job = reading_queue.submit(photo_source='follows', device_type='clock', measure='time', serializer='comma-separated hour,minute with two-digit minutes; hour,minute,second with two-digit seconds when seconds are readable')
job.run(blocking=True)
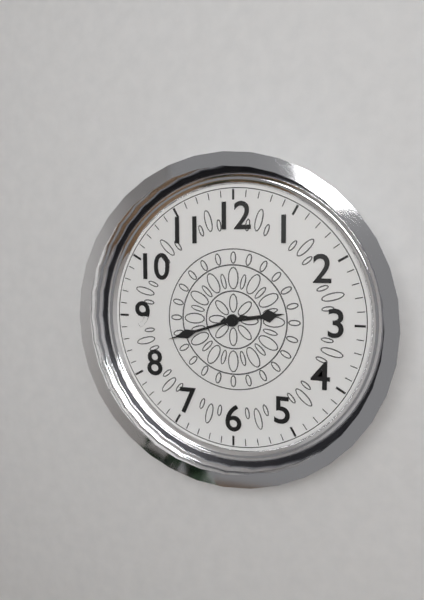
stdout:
2,42
